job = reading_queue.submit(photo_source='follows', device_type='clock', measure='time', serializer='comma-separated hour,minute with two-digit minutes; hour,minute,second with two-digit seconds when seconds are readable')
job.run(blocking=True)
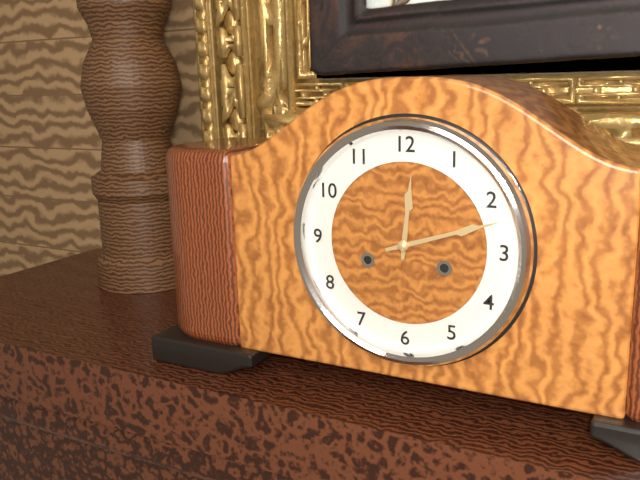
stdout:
12,12
